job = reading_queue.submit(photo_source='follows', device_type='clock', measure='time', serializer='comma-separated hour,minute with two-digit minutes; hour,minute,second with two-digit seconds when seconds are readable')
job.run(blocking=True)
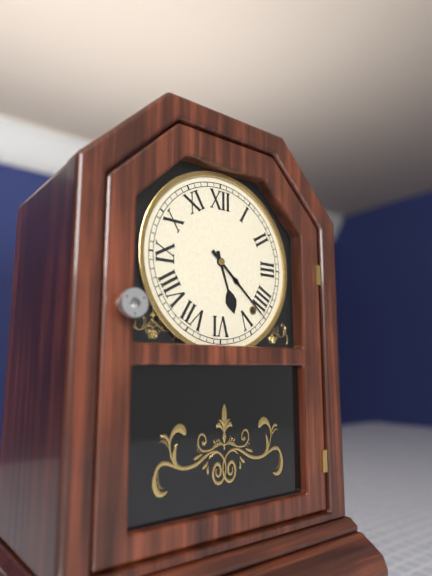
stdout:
5,22
